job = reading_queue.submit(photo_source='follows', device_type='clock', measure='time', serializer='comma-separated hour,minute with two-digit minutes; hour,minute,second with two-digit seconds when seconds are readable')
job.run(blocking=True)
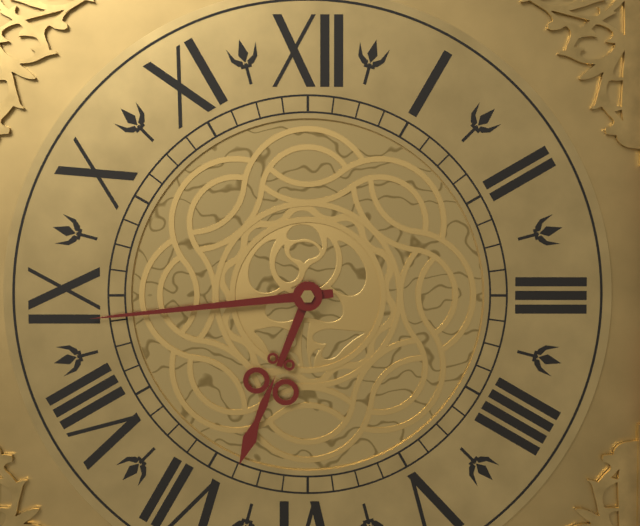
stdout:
6,44
